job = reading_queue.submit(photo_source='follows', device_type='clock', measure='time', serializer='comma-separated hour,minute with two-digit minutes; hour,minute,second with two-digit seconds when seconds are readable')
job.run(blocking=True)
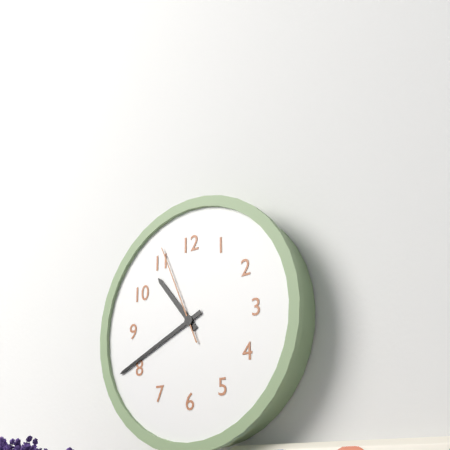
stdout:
10,41,56
